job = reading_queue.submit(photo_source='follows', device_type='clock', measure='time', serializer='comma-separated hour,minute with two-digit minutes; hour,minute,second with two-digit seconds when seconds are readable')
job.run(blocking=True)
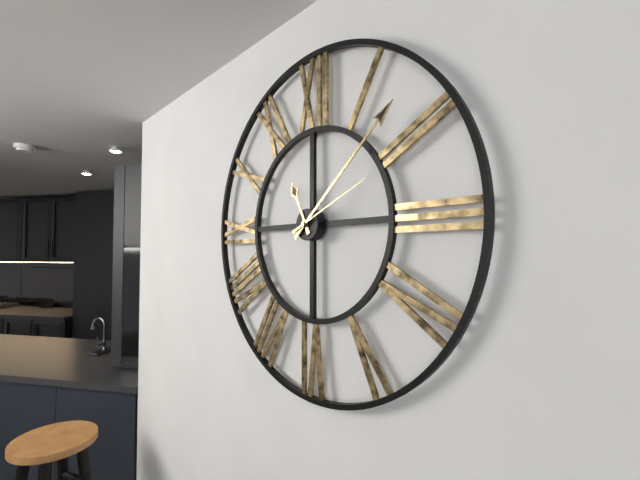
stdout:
11,08,11
